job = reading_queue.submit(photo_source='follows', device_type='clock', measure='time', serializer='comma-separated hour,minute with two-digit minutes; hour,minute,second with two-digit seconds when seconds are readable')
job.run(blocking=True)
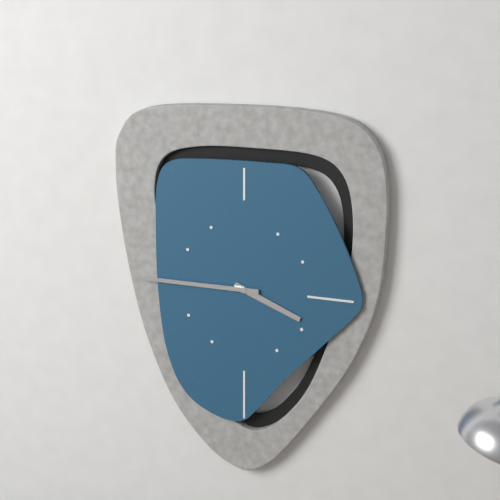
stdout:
3,45
